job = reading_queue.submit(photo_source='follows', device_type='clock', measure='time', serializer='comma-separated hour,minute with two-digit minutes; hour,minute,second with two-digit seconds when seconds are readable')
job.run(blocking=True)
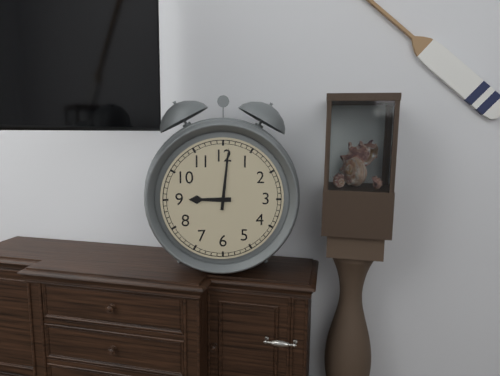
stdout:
9,01
